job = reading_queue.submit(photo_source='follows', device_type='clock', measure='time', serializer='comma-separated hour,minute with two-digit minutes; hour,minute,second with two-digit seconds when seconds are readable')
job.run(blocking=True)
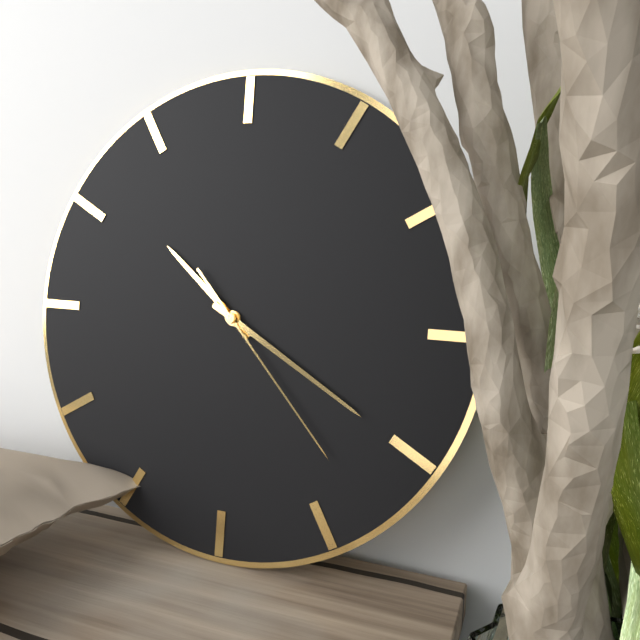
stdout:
10,20,23
